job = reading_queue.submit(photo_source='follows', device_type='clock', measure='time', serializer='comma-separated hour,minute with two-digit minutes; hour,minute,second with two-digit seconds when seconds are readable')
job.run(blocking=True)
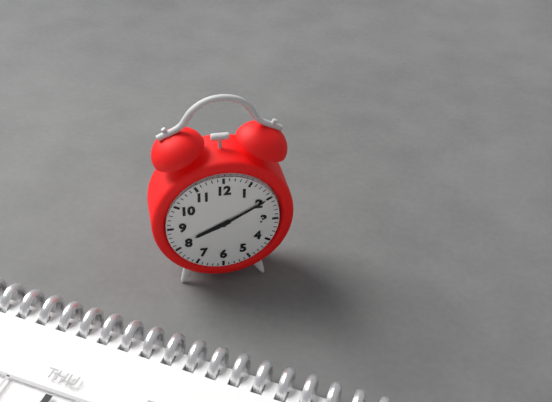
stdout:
8,10
